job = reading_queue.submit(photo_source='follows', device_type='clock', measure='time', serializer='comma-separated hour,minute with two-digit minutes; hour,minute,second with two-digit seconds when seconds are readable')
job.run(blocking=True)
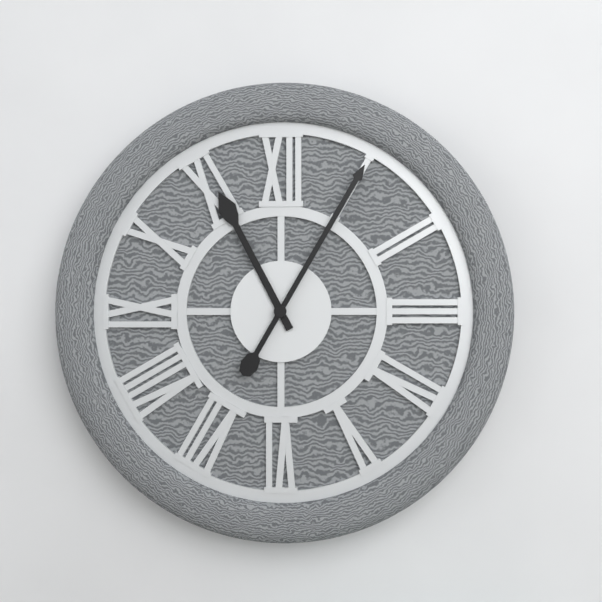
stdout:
11,05
